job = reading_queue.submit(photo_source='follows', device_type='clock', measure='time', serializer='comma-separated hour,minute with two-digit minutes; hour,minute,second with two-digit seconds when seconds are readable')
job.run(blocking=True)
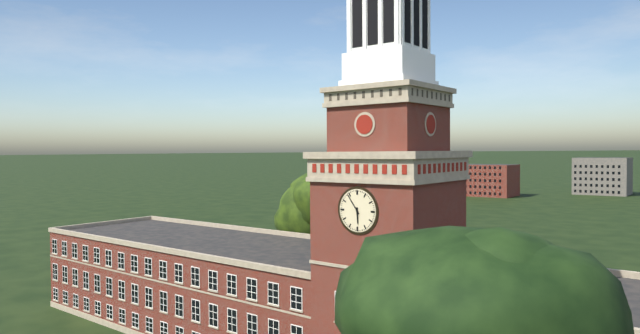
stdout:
5,54
